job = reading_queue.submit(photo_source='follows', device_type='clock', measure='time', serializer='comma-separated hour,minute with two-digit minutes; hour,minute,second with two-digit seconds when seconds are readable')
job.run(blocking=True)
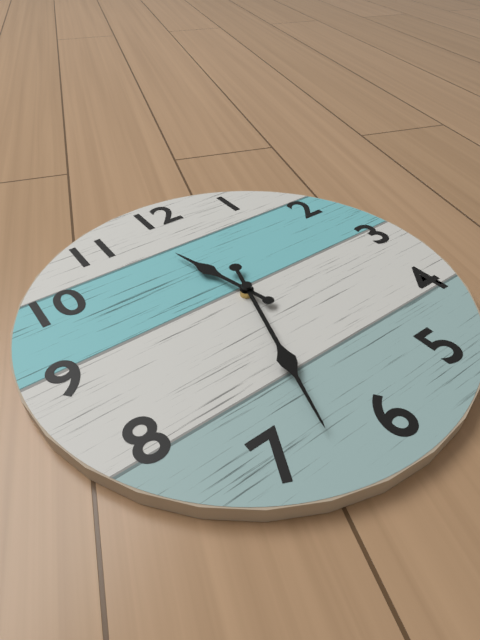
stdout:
11,33
